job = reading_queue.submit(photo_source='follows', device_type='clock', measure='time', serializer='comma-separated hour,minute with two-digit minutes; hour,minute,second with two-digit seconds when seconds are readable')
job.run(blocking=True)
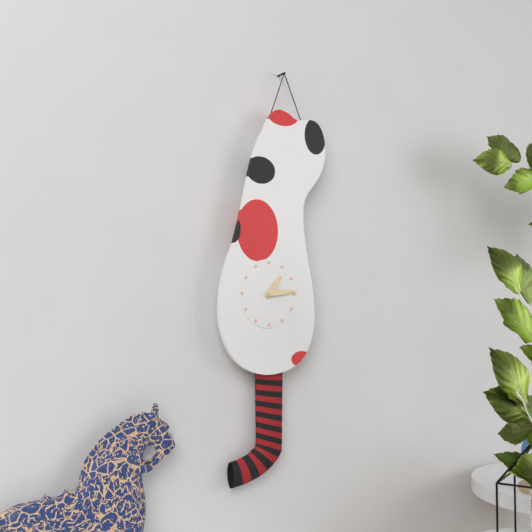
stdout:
1,14
